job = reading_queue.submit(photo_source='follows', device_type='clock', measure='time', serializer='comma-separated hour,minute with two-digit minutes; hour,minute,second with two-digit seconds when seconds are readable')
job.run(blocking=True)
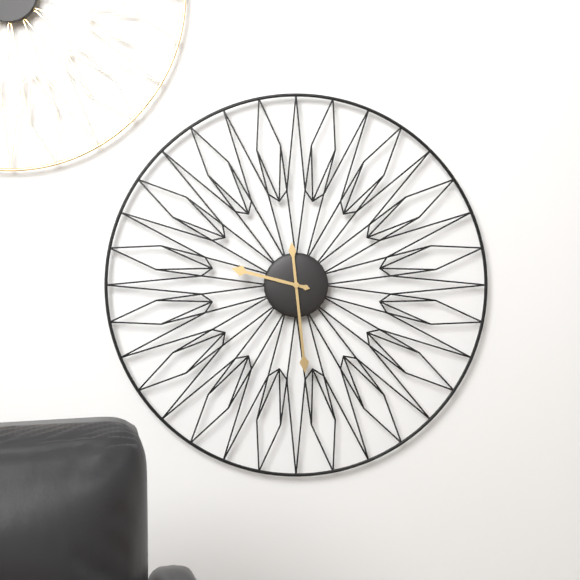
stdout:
9,29
